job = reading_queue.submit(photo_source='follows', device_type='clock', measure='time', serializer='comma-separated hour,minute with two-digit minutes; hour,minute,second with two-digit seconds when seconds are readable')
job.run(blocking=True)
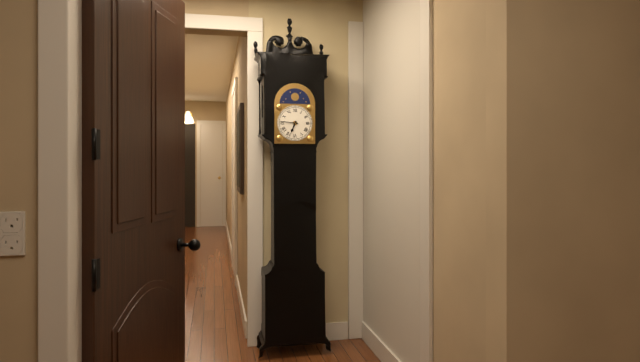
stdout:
6,46
